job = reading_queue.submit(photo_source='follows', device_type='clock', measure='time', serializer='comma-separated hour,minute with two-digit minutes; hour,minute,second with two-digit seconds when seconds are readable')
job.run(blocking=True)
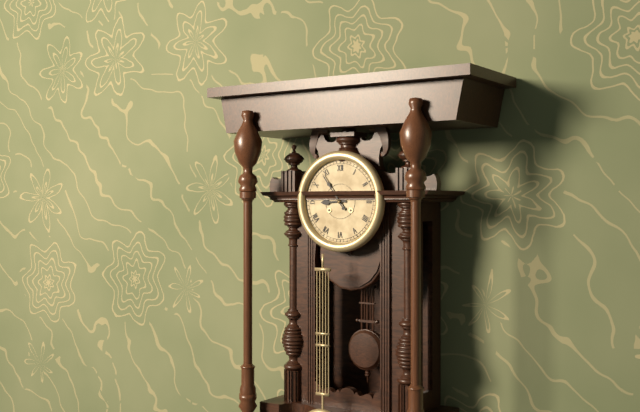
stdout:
8,54
